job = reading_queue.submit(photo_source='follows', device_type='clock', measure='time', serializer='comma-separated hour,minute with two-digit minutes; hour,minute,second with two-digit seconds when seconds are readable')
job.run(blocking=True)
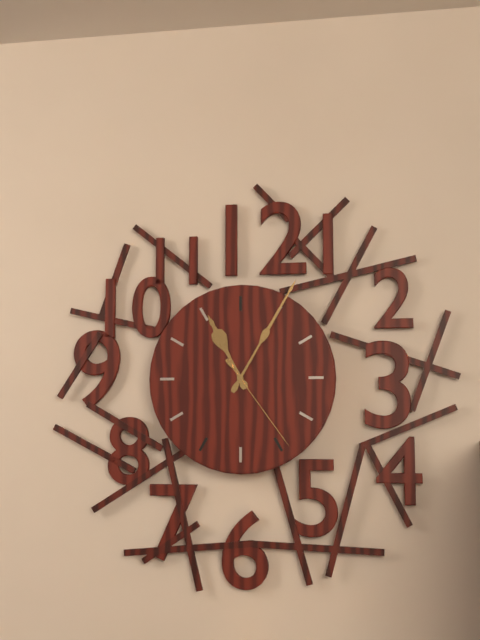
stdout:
11,05,24
